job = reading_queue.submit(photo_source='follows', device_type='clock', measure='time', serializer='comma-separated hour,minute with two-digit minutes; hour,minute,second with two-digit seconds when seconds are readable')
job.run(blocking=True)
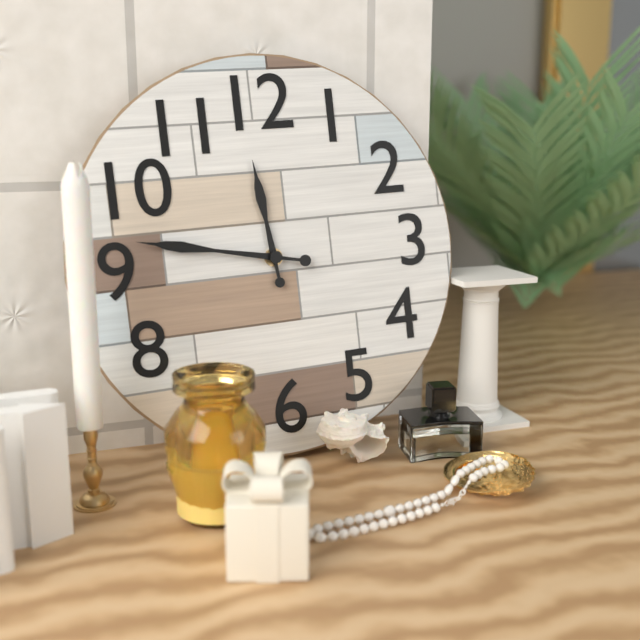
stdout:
11,47
